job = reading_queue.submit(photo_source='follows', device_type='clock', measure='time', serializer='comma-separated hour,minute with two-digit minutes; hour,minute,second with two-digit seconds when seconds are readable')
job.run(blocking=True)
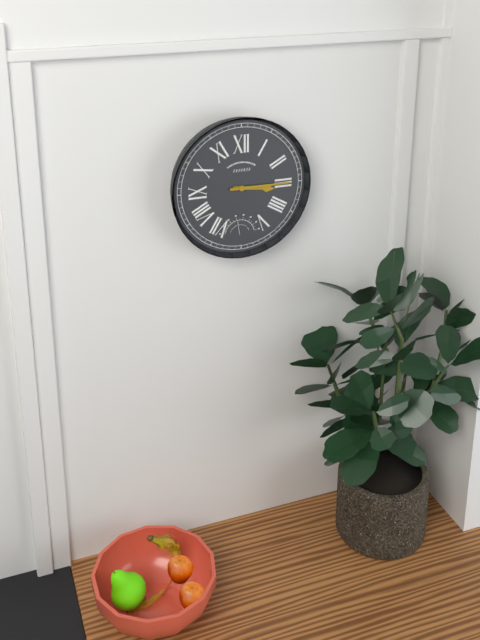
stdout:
3,15
